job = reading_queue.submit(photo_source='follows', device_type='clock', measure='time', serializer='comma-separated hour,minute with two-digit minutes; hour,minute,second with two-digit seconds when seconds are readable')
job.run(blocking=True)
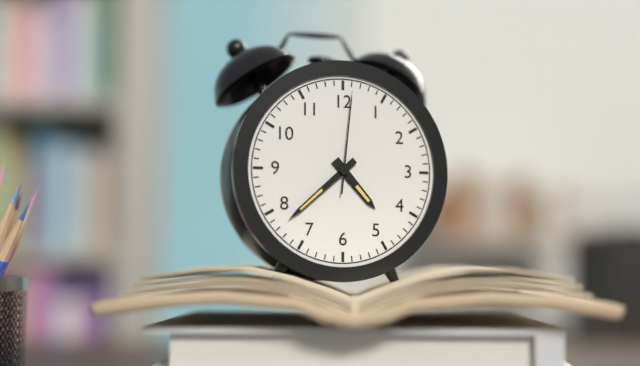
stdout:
4,38,01
